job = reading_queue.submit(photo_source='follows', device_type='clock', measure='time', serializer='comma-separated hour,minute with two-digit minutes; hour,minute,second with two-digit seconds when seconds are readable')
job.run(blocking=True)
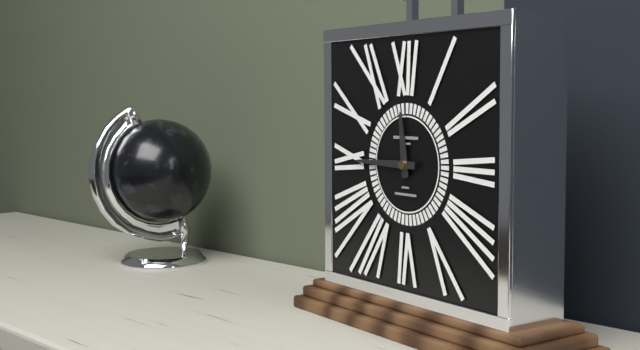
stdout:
11,45
